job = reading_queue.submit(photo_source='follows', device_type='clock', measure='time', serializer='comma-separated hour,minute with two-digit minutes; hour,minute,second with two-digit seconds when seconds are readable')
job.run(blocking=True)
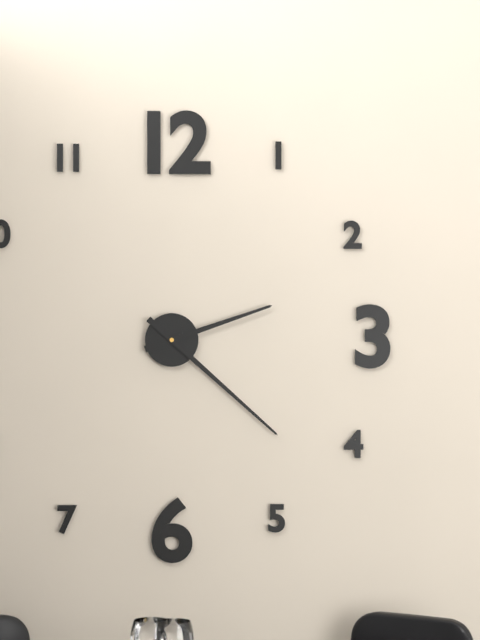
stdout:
2,22
